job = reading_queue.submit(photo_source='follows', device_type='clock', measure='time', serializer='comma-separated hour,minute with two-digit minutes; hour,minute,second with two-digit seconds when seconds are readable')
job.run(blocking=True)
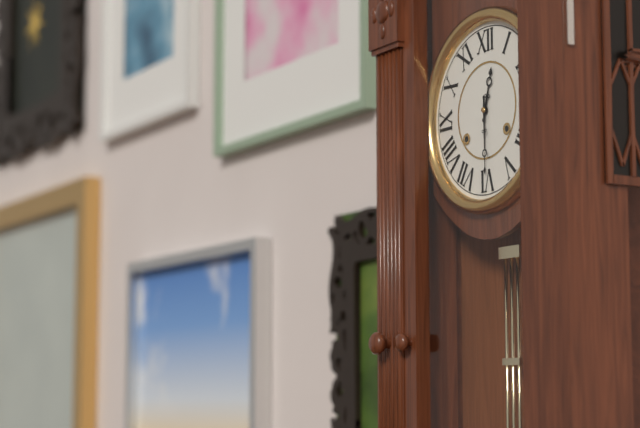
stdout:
12,30
